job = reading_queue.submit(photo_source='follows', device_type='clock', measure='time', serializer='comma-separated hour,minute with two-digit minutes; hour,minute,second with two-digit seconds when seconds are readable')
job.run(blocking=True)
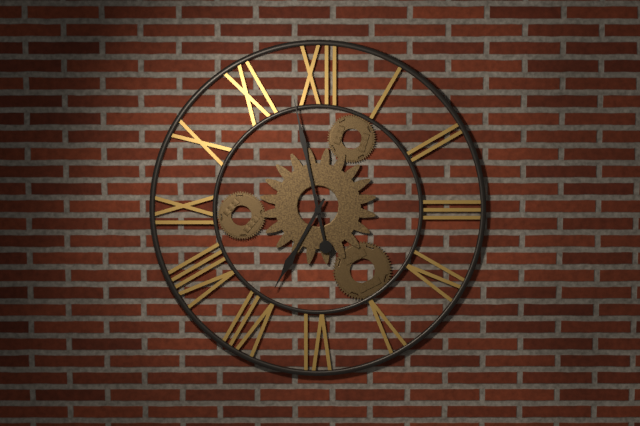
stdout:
6,58
